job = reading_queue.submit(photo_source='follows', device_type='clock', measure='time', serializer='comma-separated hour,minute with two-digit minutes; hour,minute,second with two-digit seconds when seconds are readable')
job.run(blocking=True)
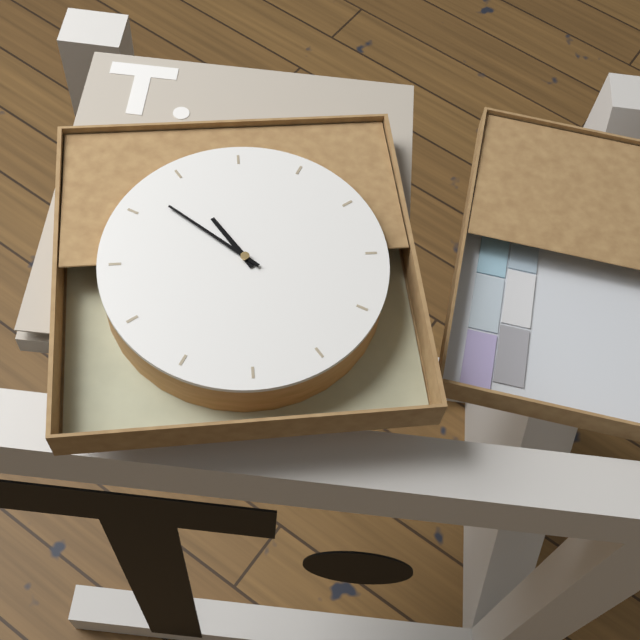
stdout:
11,57
